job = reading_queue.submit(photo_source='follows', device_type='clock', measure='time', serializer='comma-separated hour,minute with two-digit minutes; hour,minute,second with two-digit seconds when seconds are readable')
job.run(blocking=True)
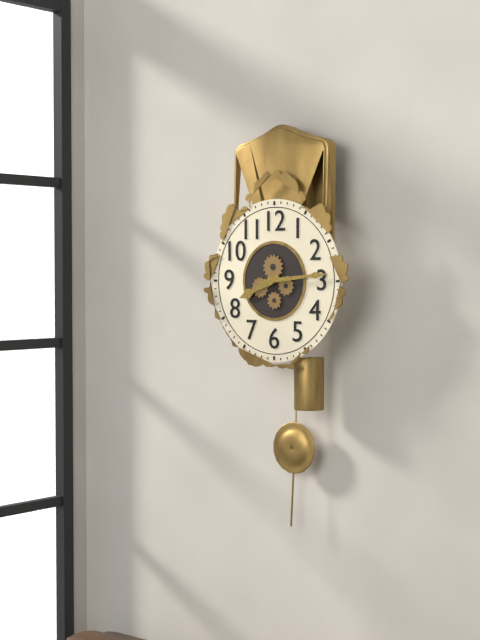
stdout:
8,14
